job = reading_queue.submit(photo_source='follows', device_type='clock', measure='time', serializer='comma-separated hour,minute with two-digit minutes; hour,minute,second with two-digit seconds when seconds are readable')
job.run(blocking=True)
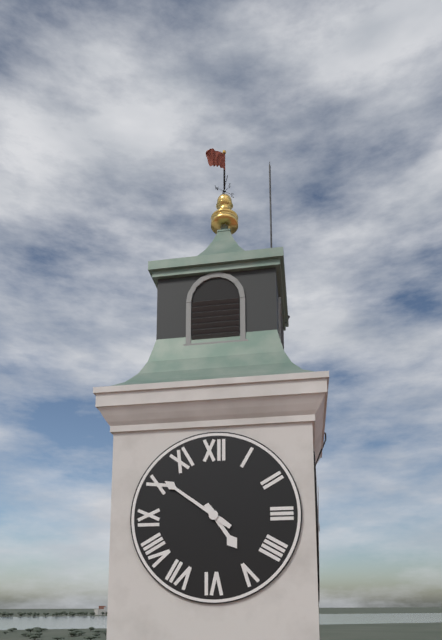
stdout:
4,51
